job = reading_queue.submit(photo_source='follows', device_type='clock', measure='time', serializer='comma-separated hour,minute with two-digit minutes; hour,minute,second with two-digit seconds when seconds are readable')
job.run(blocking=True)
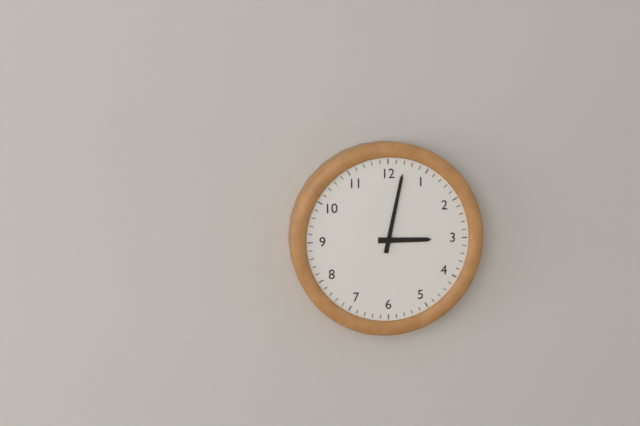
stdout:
3,02
